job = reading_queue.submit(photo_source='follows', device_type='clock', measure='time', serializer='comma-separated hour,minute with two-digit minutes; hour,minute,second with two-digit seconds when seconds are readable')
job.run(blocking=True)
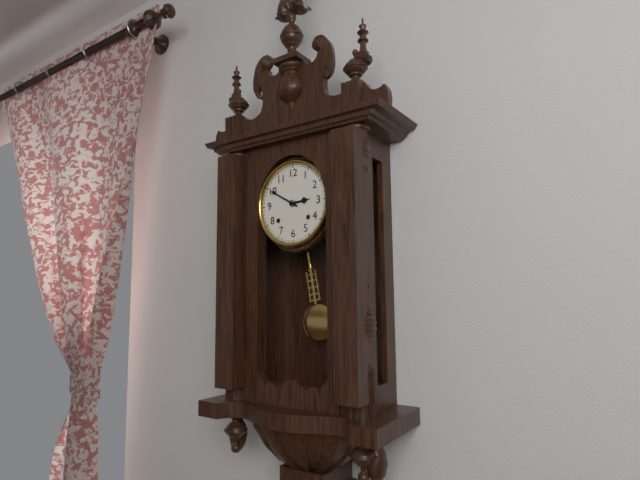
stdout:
2,50
